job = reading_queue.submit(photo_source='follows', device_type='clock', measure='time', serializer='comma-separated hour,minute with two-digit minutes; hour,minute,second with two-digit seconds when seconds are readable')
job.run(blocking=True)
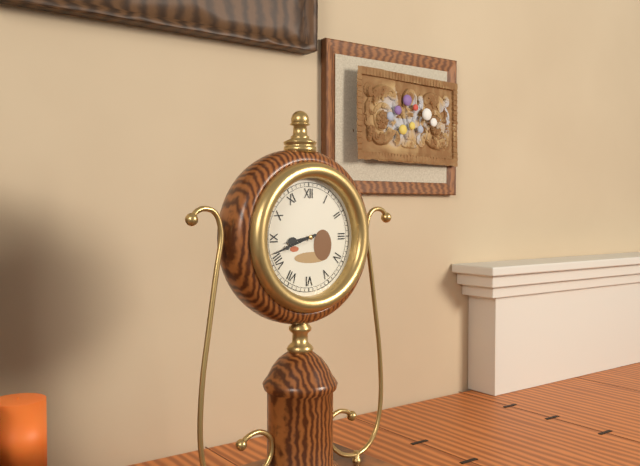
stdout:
8,42
